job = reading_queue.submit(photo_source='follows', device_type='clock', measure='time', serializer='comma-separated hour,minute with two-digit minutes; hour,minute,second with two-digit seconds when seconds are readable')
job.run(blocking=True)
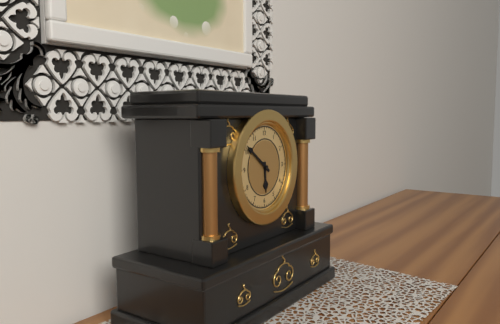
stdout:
5,51
